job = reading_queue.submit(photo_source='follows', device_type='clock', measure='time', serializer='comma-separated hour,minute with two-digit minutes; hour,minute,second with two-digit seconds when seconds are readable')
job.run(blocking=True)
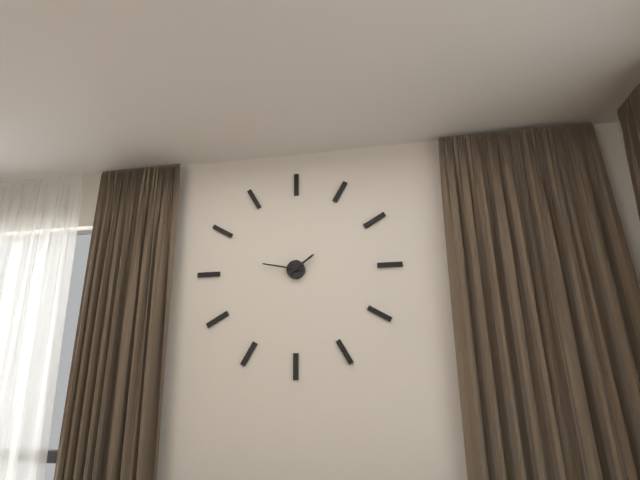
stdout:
1,47
